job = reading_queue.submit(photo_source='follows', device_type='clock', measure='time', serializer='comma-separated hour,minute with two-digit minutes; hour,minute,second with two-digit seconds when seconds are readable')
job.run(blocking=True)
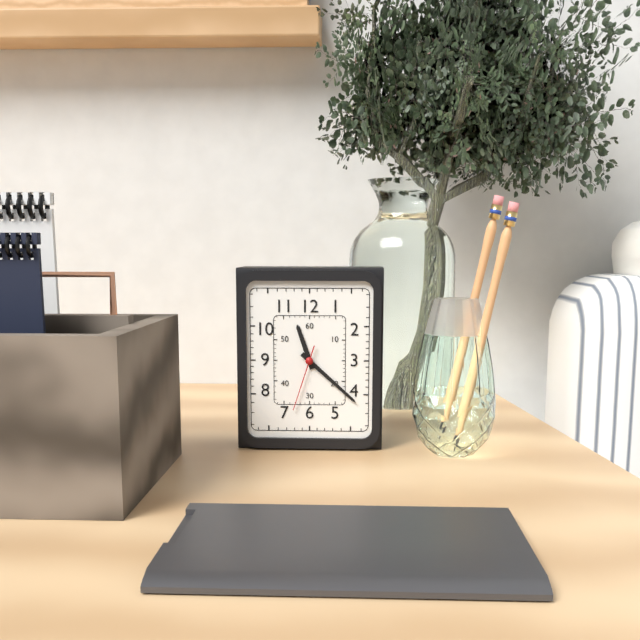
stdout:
11,22,33
